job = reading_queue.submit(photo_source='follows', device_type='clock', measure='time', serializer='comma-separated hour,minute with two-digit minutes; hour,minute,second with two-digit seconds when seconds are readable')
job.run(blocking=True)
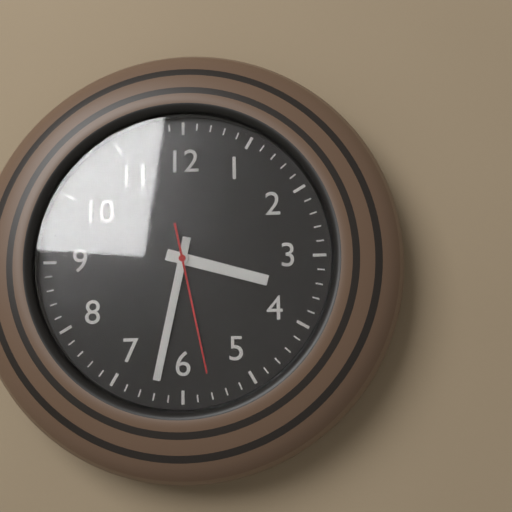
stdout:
3,32,28
